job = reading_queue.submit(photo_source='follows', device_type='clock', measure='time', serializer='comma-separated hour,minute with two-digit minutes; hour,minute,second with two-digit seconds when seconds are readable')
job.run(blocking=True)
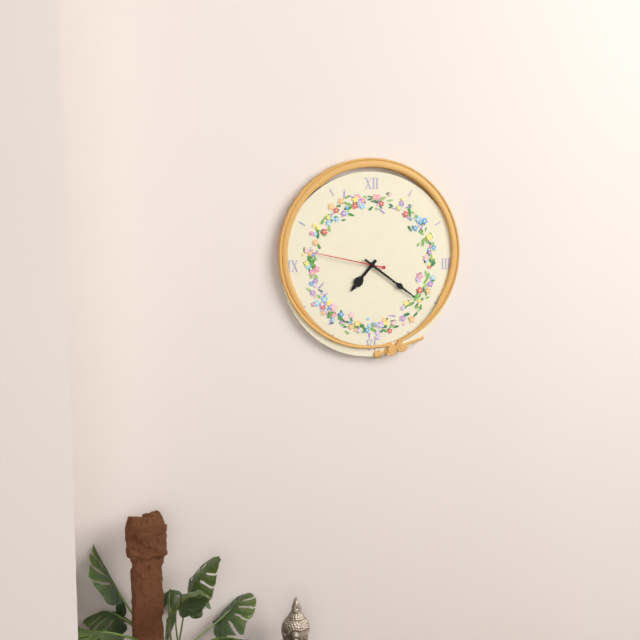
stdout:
7,21,47
